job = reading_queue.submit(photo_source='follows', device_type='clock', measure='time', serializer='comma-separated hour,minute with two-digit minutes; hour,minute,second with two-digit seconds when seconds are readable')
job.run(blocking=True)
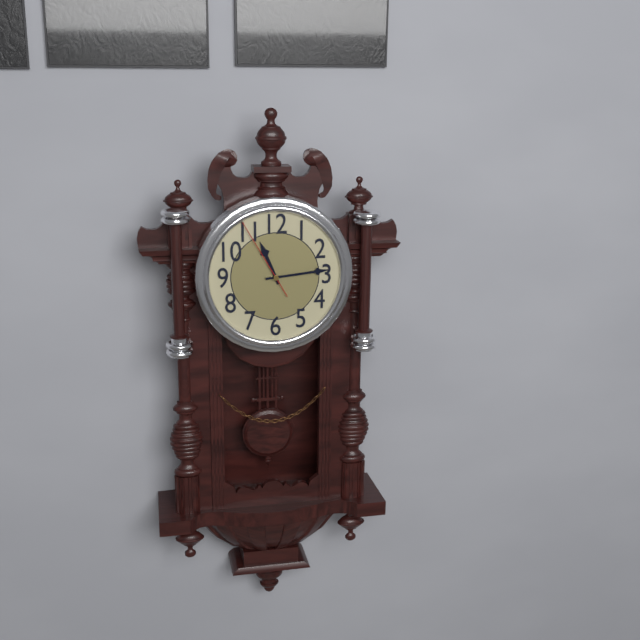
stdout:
11,14,55
